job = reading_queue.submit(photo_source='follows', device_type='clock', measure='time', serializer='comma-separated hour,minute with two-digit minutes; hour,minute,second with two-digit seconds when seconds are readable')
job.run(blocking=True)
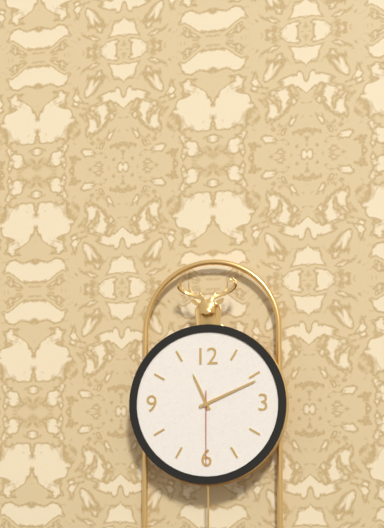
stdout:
11,11,30
